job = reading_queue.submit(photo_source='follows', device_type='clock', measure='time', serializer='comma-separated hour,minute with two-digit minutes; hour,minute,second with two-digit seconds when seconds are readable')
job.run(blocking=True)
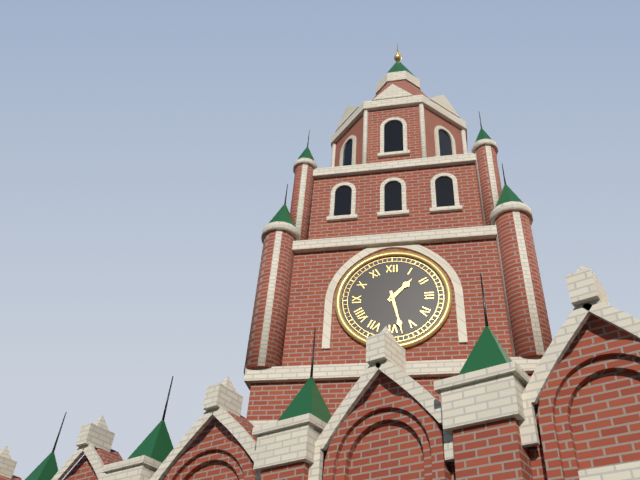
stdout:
1,28
